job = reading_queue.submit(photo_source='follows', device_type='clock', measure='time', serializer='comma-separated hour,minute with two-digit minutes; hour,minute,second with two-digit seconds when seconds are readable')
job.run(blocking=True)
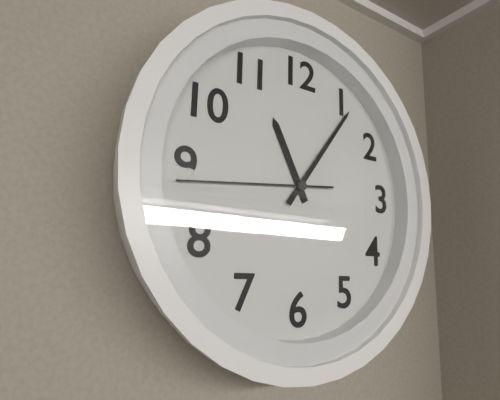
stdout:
11,06,44
